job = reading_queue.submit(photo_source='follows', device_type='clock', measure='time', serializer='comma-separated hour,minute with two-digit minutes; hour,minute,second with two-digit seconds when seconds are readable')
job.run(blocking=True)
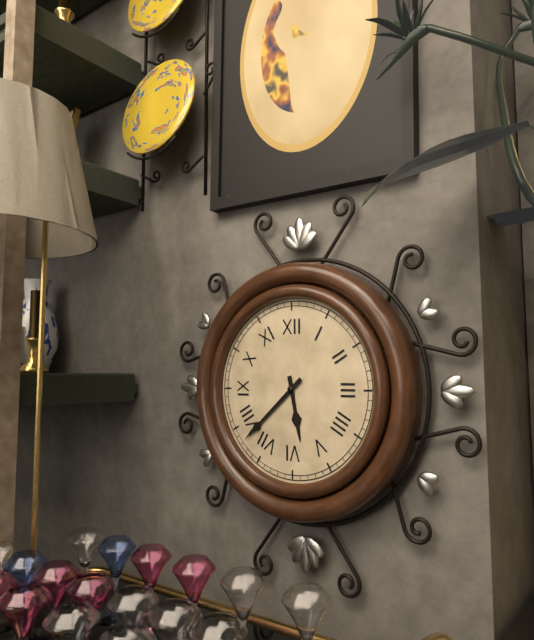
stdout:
5,38
